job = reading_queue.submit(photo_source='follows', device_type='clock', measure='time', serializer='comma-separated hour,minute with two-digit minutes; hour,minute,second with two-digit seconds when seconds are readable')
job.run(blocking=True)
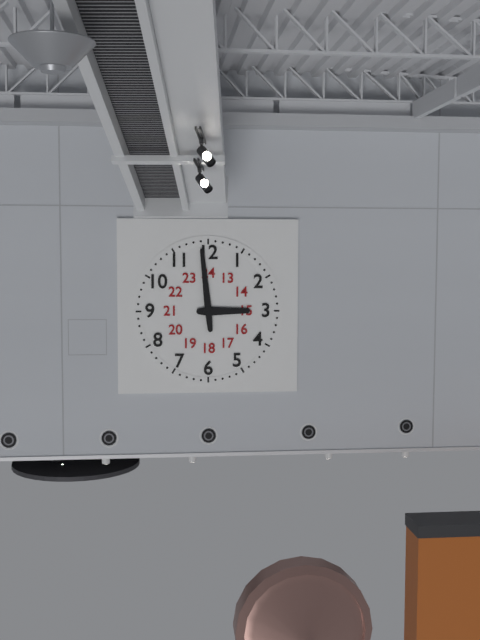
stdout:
2,59
